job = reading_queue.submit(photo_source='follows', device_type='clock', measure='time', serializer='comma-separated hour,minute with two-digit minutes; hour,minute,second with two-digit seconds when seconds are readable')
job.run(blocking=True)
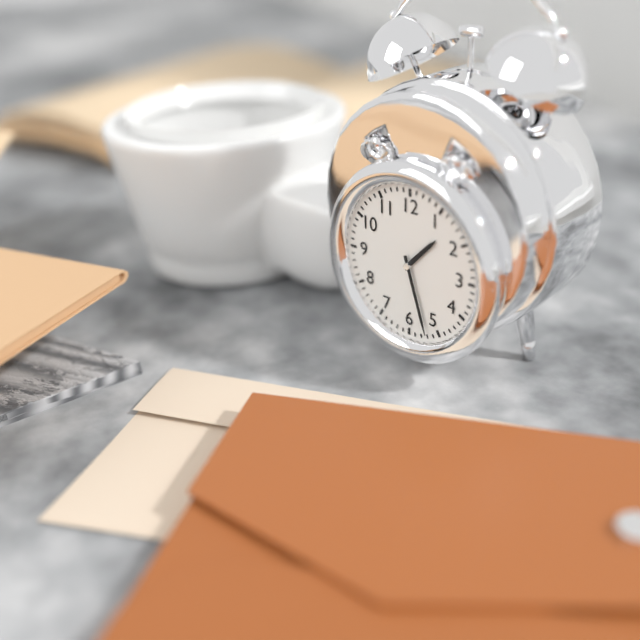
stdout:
1,27
